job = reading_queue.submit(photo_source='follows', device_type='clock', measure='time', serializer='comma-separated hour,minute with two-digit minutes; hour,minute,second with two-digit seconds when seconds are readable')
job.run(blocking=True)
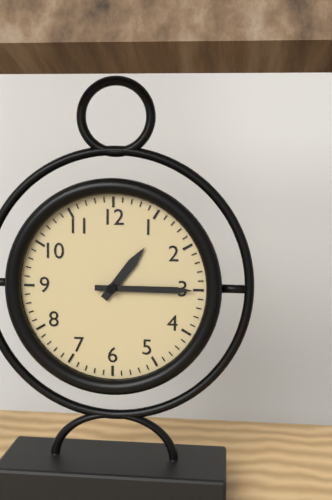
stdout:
1,15
